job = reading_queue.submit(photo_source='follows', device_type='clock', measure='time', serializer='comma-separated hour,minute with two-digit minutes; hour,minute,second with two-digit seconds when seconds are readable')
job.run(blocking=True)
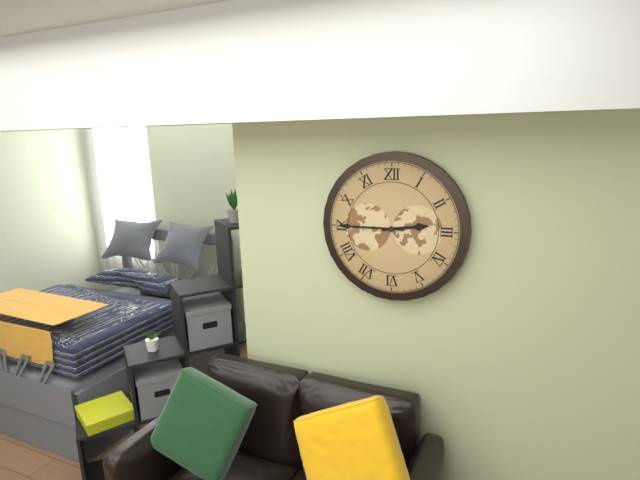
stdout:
2,45
